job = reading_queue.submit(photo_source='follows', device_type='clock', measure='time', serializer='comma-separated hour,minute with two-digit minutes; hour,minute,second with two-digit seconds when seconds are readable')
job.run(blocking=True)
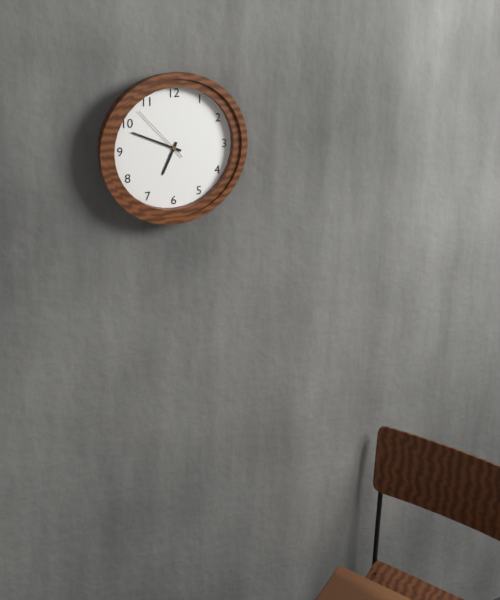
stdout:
6,49,53
